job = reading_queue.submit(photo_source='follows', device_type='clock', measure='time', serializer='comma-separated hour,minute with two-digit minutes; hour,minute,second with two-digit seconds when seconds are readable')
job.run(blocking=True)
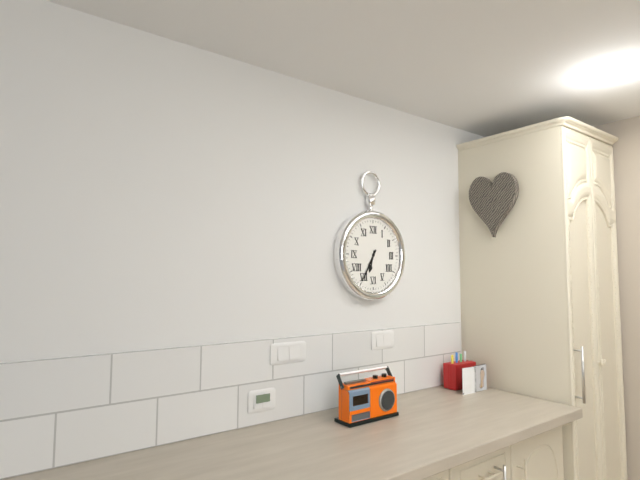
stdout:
6,35
